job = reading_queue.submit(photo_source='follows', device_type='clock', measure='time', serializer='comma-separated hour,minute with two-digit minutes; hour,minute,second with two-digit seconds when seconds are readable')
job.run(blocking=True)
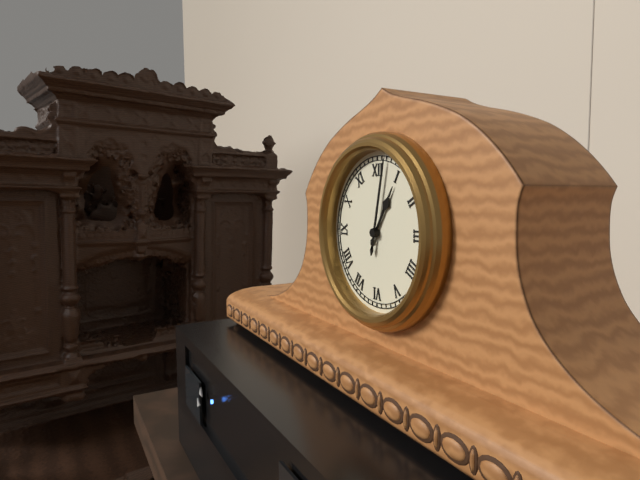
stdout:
1,02
